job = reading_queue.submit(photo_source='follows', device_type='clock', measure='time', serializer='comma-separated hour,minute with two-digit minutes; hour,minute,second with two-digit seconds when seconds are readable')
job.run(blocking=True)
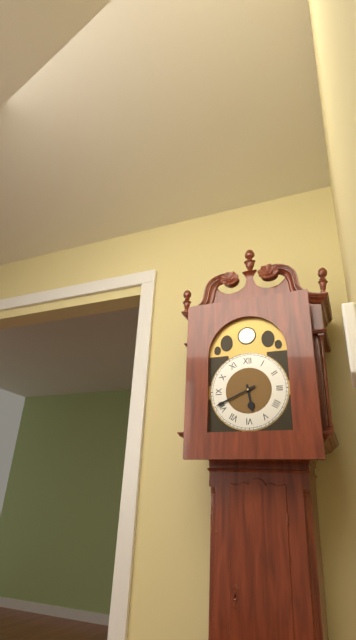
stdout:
5,41
